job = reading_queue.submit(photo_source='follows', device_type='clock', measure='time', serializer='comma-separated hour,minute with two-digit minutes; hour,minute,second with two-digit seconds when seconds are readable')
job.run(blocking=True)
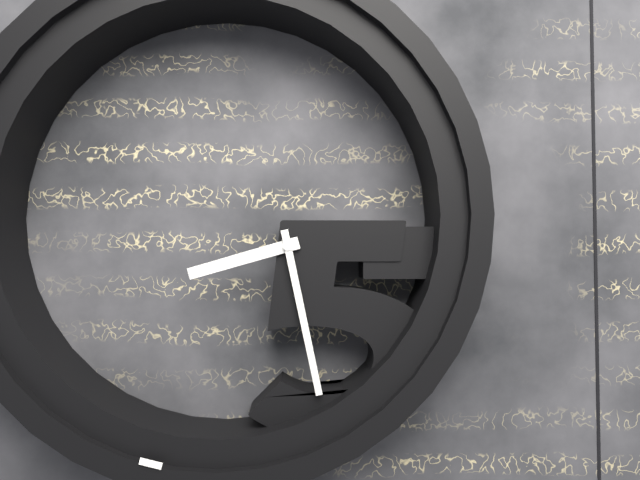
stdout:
8,28
